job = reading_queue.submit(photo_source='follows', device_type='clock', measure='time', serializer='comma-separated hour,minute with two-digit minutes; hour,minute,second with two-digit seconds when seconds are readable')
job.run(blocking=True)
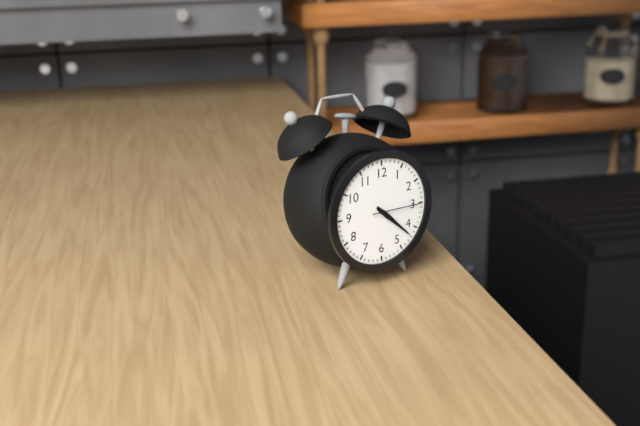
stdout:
4,22
